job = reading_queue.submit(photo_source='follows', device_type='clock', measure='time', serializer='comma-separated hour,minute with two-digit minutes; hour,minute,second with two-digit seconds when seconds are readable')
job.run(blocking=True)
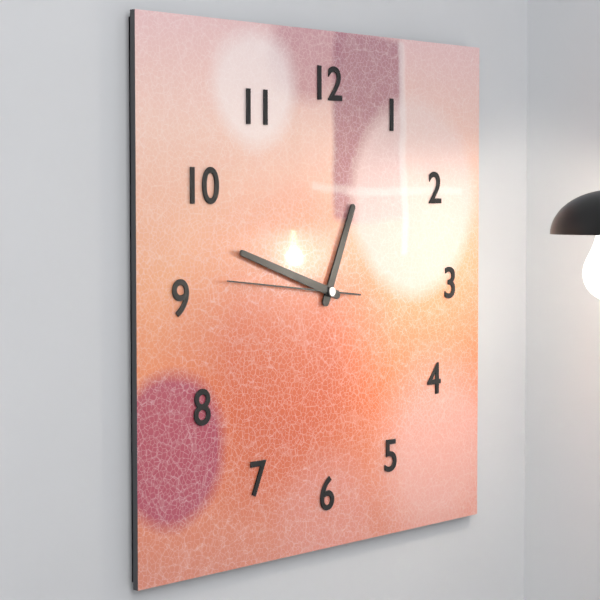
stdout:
12,48,46
